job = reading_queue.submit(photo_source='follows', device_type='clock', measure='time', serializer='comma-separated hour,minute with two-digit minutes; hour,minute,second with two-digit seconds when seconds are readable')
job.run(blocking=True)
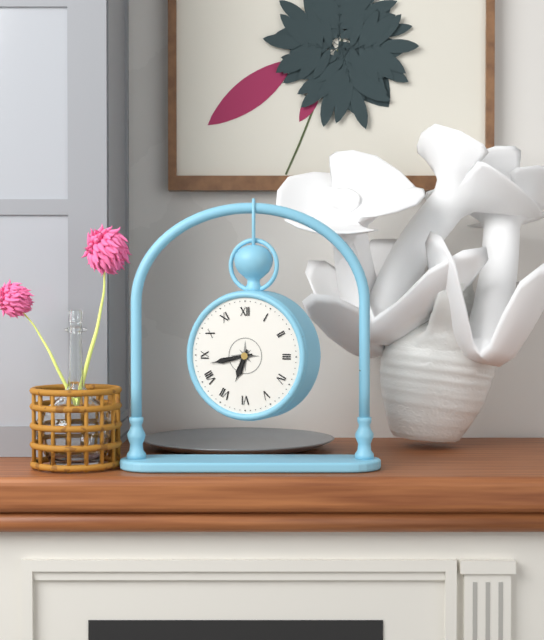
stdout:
6,43
